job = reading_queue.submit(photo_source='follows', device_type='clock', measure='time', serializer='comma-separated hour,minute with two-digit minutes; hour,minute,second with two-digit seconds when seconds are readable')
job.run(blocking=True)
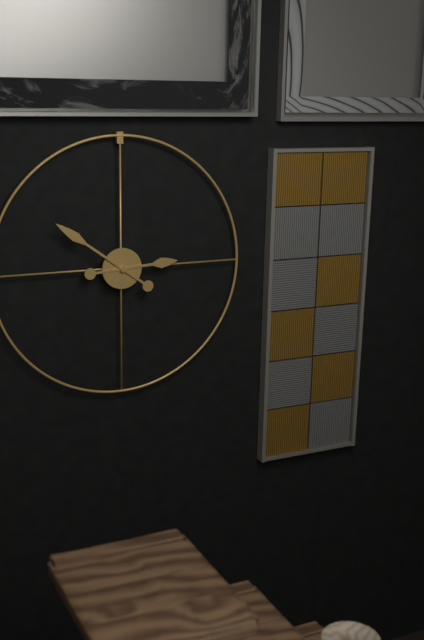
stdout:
2,51
